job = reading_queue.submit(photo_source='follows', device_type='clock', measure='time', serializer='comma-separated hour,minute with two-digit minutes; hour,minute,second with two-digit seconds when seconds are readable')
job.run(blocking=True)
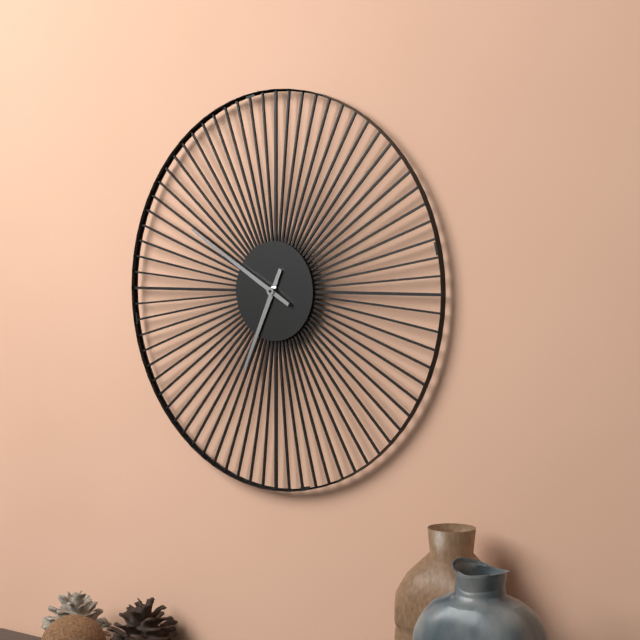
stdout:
6,50
